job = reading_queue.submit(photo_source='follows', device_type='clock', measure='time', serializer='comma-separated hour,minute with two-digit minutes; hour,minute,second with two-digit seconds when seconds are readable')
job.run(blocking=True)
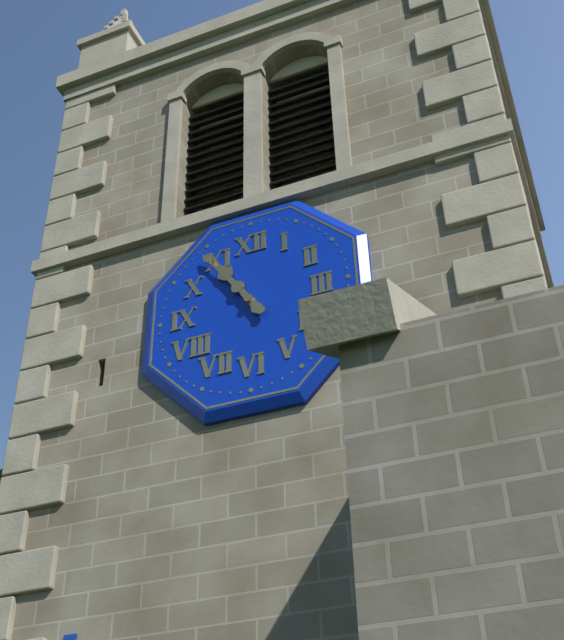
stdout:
10,54
